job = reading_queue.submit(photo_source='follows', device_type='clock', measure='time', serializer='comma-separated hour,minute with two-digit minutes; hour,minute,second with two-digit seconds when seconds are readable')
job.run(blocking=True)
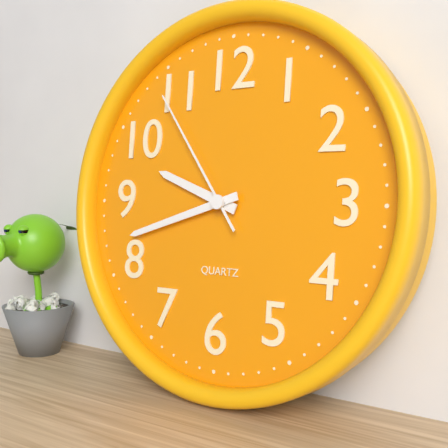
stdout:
9,42,54
